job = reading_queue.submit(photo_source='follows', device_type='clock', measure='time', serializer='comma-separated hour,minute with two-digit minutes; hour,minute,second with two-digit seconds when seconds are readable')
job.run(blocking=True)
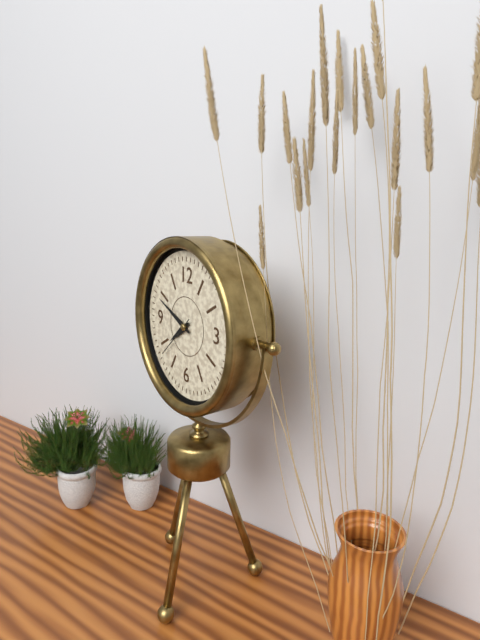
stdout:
7,49
